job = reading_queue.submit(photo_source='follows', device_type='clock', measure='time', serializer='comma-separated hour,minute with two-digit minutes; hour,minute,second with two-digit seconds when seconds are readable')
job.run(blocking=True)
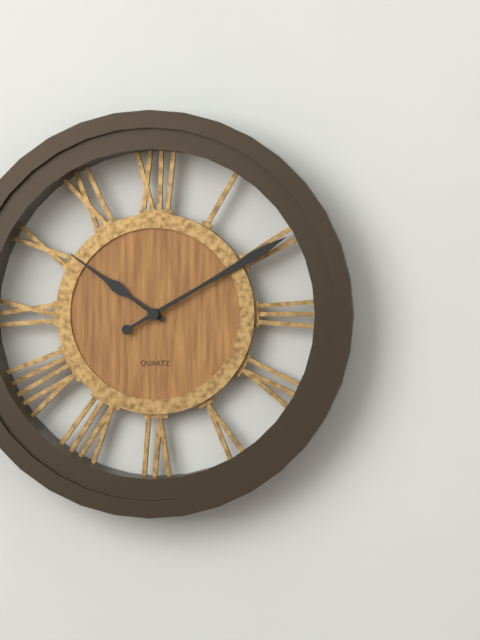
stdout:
10,10
